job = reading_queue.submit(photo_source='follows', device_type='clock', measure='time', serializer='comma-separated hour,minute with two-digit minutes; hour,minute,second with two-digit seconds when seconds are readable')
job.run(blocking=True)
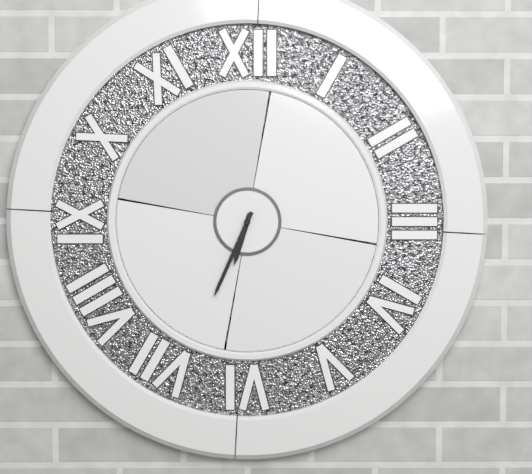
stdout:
6,34
